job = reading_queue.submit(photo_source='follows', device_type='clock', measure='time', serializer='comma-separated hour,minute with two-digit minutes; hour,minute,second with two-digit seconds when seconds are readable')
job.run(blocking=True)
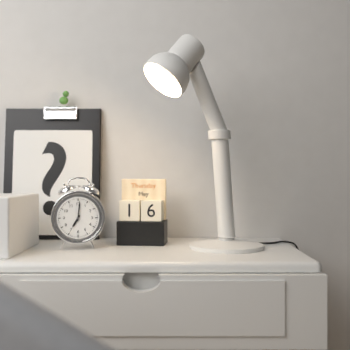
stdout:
7,01
